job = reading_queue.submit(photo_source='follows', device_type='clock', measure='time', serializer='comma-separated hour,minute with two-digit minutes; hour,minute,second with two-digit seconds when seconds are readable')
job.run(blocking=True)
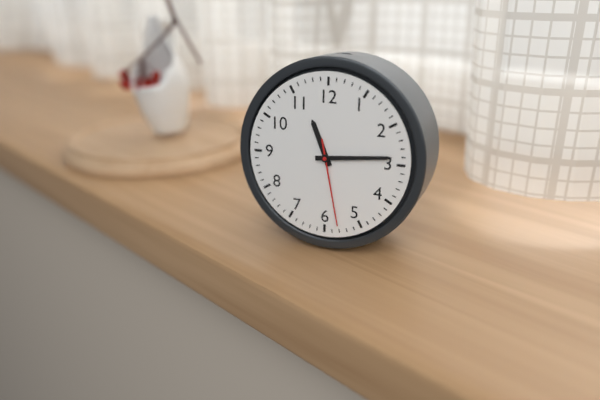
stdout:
11,14,28
